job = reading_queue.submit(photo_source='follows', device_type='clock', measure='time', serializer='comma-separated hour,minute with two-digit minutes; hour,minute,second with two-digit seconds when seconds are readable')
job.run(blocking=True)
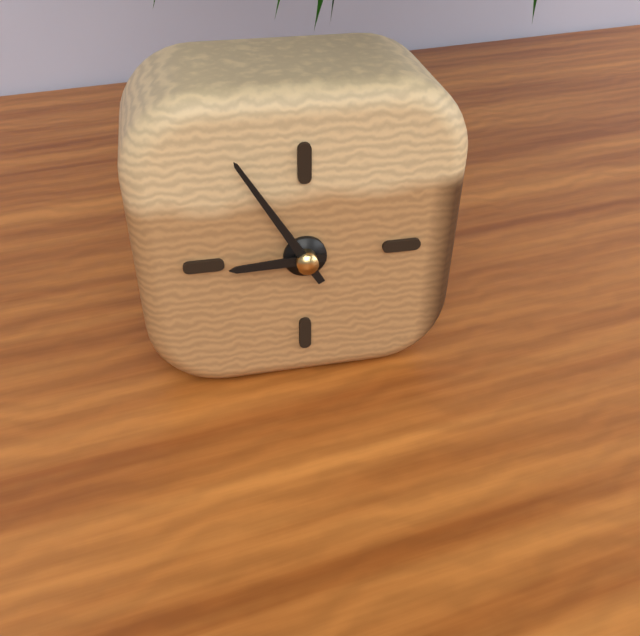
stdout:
8,55
